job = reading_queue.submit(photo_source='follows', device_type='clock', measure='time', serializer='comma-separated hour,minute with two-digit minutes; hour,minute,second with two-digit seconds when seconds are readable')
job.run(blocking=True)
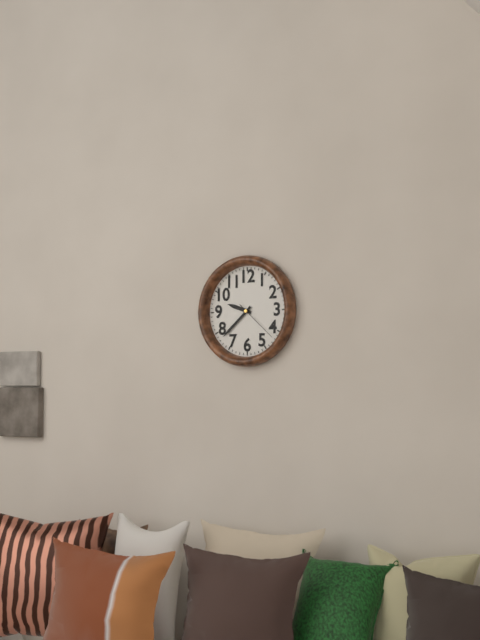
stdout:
9,38
